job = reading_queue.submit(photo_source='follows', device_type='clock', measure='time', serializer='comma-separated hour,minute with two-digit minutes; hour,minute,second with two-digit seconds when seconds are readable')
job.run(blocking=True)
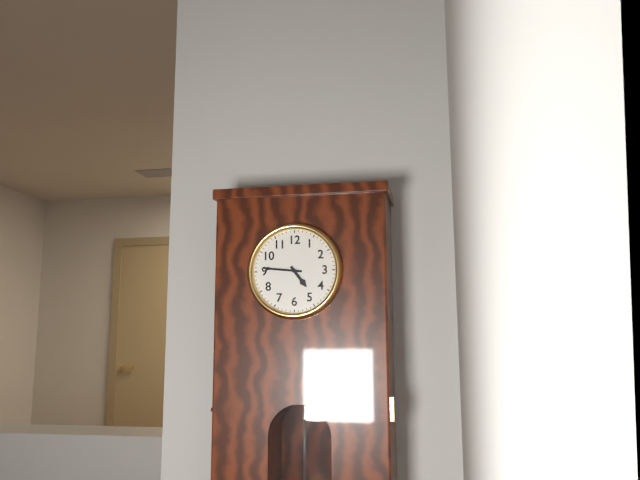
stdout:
4,46
